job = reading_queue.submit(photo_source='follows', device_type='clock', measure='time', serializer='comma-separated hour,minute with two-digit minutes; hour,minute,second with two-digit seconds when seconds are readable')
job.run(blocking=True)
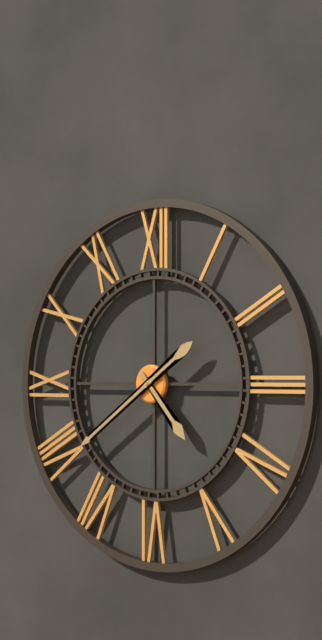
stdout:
4,39
